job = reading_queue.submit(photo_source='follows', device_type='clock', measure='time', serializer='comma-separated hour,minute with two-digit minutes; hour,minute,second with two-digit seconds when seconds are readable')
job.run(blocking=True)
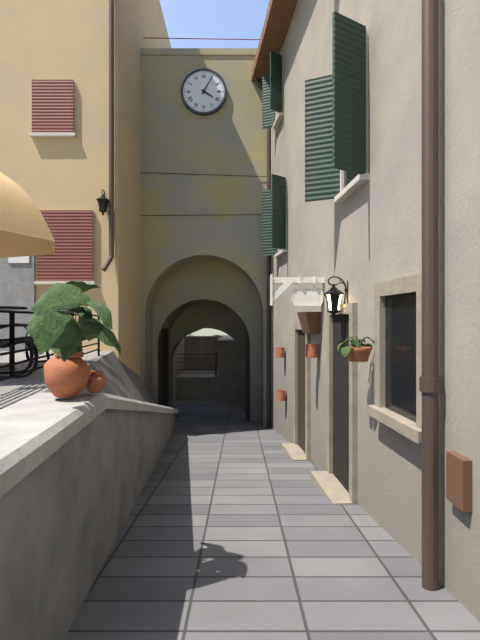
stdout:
4,05
